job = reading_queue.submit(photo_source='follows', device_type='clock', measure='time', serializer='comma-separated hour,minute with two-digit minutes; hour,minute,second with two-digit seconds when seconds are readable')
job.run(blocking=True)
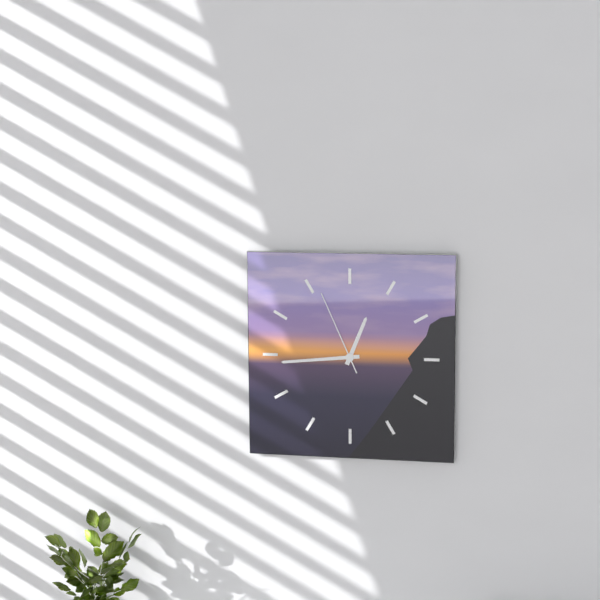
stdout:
12,44,56
